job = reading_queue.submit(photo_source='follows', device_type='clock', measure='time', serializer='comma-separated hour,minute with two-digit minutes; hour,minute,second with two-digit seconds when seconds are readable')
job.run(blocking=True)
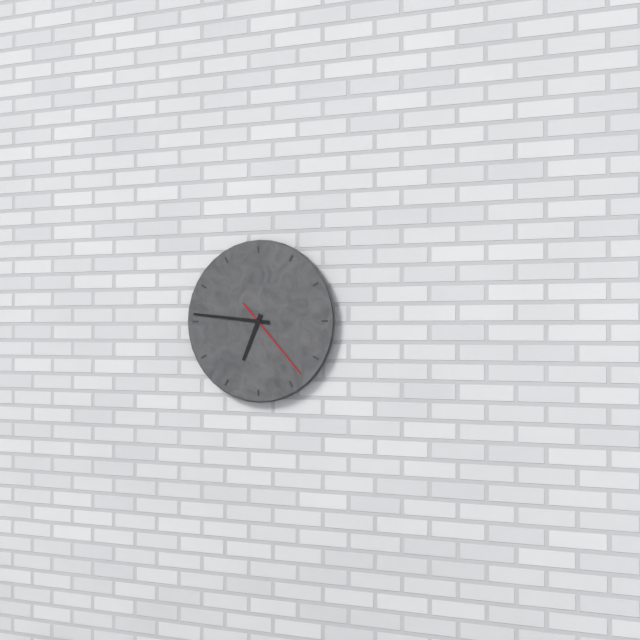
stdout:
6,46,23
